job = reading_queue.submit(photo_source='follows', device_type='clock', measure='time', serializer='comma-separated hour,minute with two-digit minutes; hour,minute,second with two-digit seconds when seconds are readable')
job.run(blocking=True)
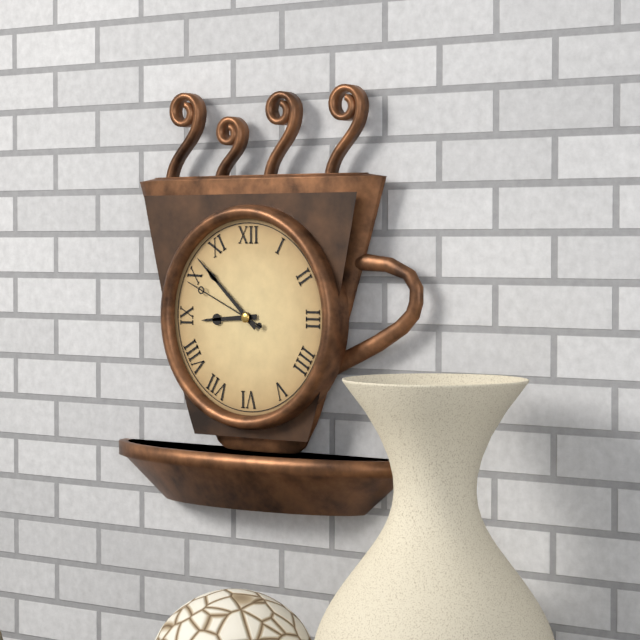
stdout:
8,52,49
